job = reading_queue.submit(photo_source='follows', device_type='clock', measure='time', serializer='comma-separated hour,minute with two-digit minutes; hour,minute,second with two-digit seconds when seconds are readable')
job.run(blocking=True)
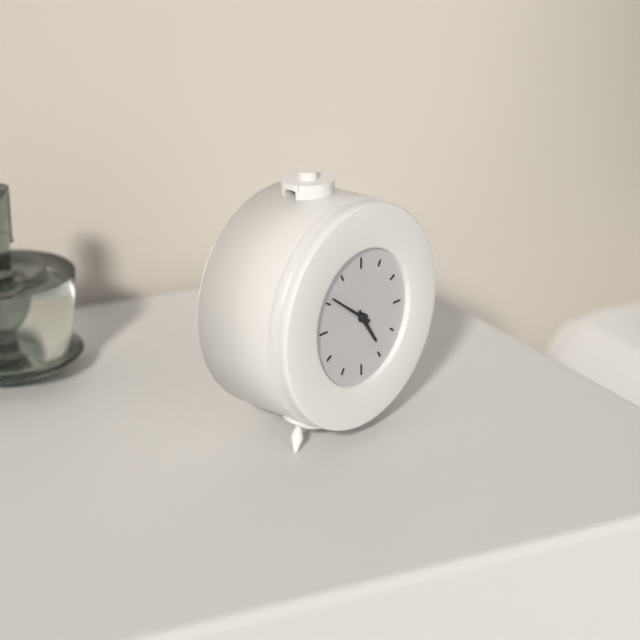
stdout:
4,51
